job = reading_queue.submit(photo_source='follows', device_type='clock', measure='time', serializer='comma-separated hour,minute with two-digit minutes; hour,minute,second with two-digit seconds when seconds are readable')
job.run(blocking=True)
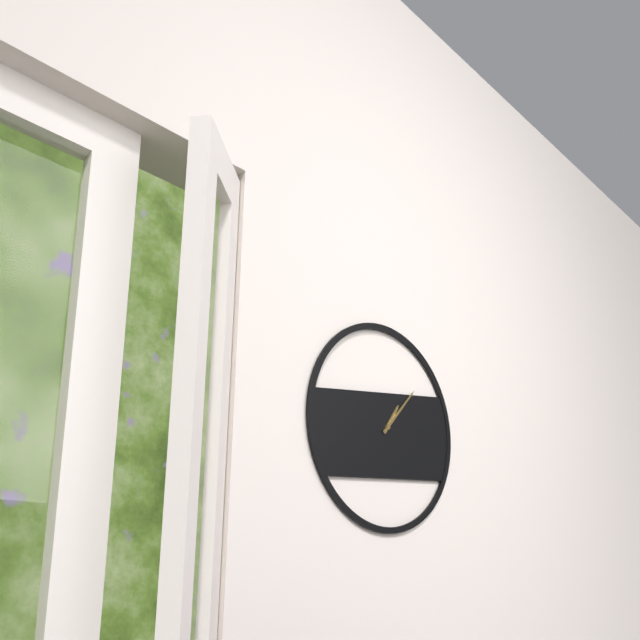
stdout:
1,07
